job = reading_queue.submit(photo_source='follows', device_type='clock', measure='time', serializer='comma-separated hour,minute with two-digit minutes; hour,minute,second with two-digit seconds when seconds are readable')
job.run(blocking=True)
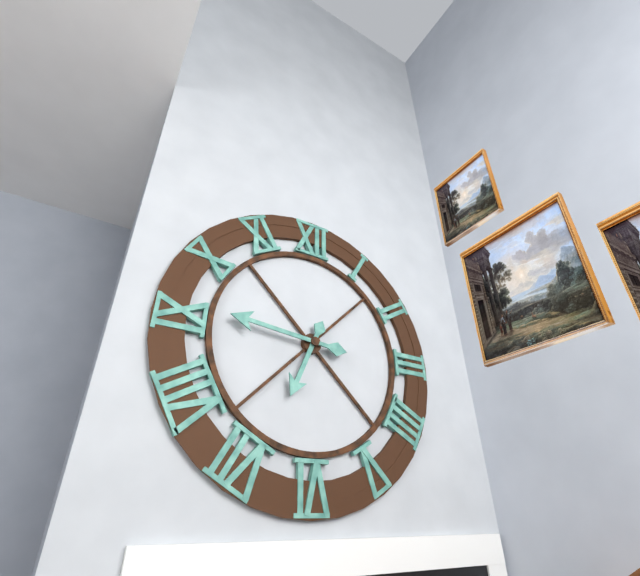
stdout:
6,46
